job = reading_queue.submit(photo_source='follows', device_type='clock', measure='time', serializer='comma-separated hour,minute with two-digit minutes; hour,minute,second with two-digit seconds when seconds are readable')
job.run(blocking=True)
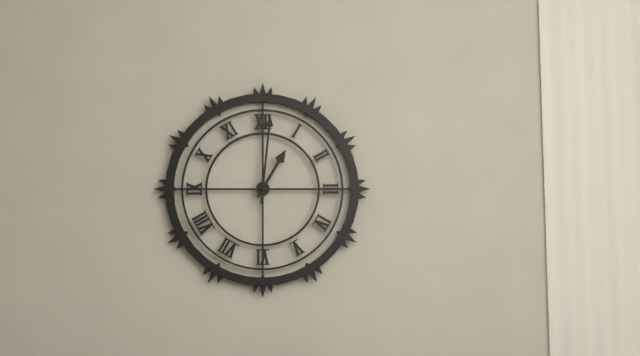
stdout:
1,01
